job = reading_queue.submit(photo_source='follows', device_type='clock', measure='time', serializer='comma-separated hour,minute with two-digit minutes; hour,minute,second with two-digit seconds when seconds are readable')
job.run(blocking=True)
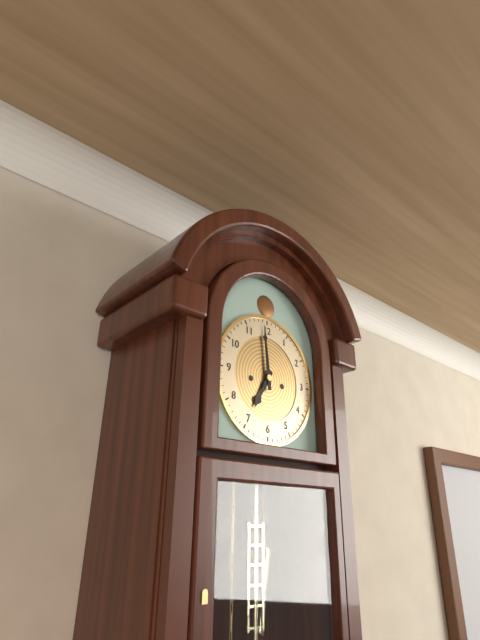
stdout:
6,59
